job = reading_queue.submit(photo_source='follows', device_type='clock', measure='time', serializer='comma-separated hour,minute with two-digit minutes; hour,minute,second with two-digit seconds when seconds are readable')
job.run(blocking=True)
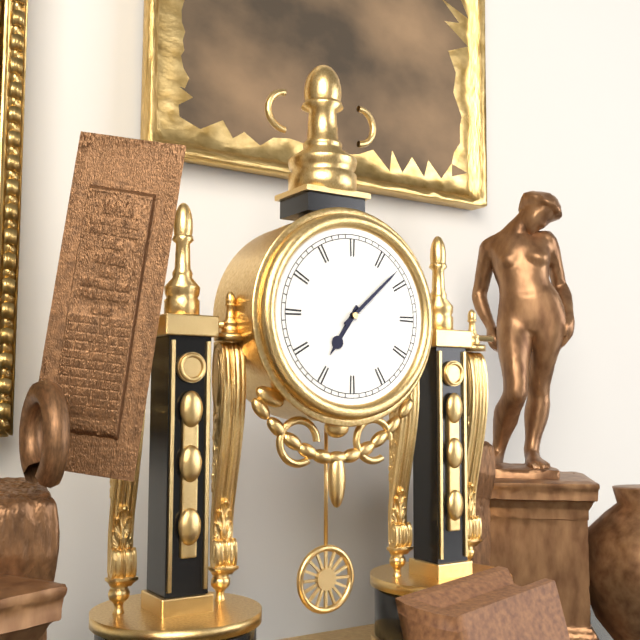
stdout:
7,08
